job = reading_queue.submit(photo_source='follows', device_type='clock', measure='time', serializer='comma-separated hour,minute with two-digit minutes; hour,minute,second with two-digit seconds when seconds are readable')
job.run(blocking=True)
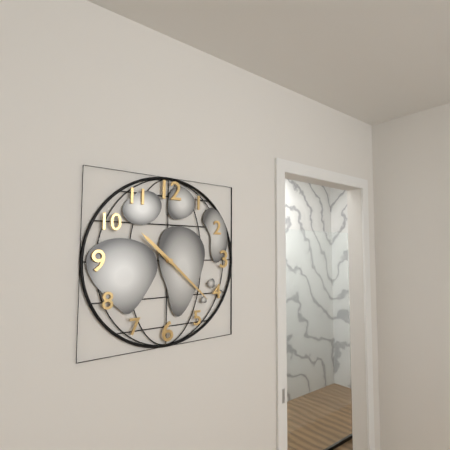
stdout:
10,22
